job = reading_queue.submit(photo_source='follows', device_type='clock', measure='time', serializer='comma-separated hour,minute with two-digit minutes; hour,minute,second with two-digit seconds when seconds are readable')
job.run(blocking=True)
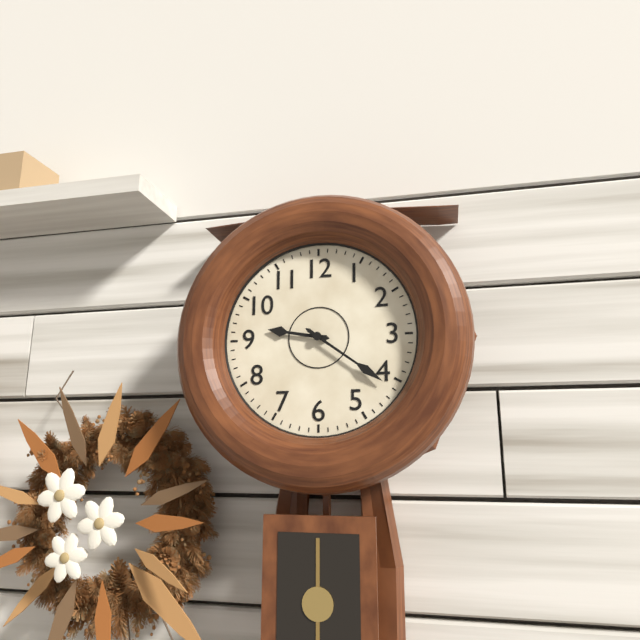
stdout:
9,21
